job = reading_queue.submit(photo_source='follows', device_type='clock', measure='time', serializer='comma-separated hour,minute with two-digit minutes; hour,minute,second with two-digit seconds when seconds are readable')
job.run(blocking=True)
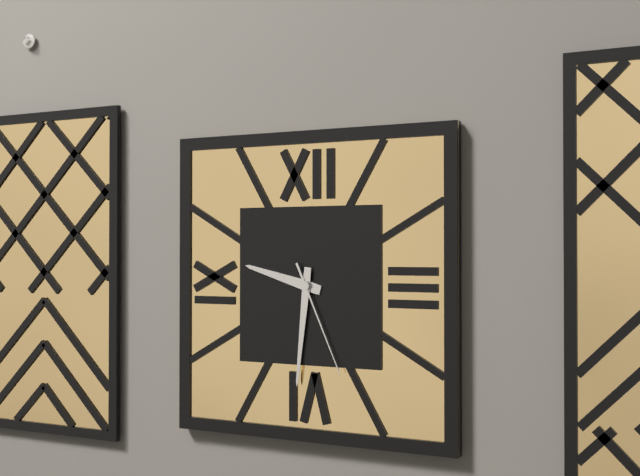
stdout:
9,31,26
